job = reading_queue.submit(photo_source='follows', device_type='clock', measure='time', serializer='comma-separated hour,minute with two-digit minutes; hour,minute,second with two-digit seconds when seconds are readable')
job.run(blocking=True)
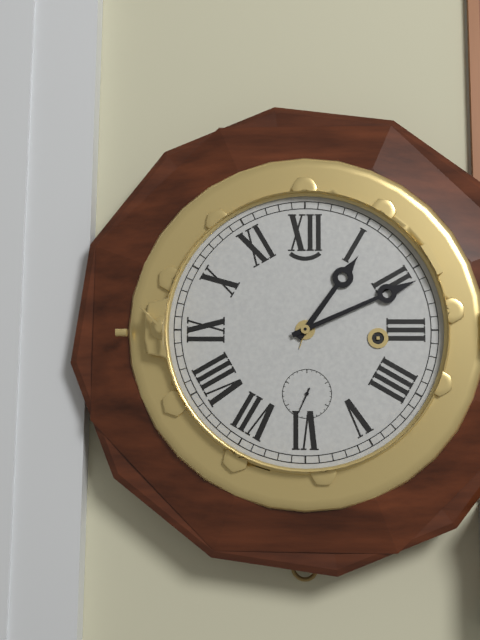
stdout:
1,11
